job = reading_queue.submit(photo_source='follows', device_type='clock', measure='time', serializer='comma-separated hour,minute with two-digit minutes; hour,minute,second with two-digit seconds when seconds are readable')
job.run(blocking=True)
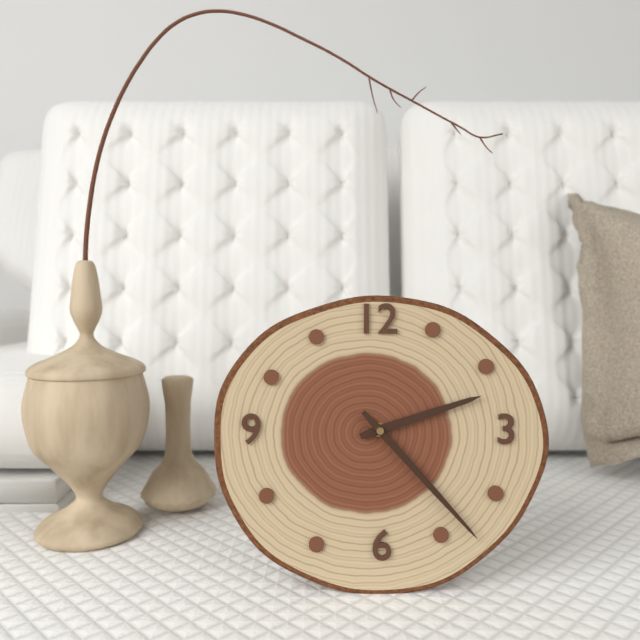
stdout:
2,23
